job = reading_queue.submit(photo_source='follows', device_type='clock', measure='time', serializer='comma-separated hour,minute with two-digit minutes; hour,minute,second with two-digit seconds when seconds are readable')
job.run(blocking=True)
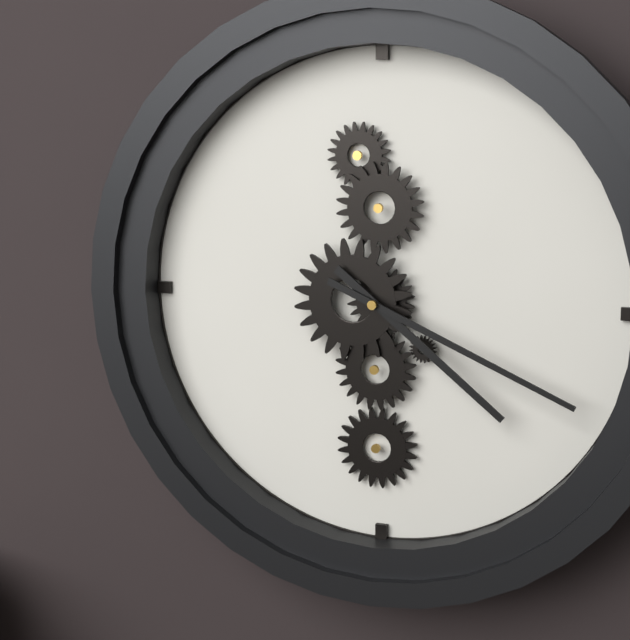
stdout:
4,19
